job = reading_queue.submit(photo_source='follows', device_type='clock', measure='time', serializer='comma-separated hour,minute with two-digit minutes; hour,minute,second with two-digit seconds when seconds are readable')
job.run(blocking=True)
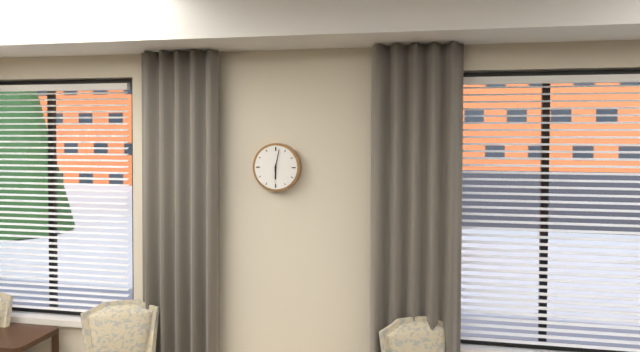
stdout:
6,02
